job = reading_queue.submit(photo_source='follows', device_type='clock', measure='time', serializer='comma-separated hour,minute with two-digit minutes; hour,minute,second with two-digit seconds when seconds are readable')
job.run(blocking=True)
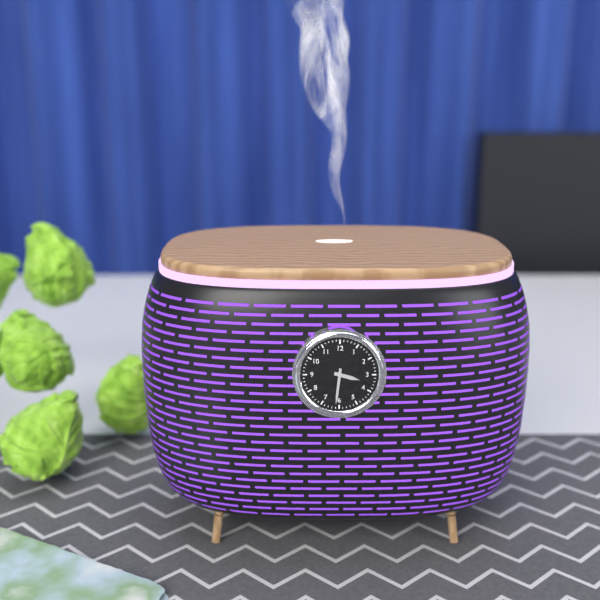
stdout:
3,31
